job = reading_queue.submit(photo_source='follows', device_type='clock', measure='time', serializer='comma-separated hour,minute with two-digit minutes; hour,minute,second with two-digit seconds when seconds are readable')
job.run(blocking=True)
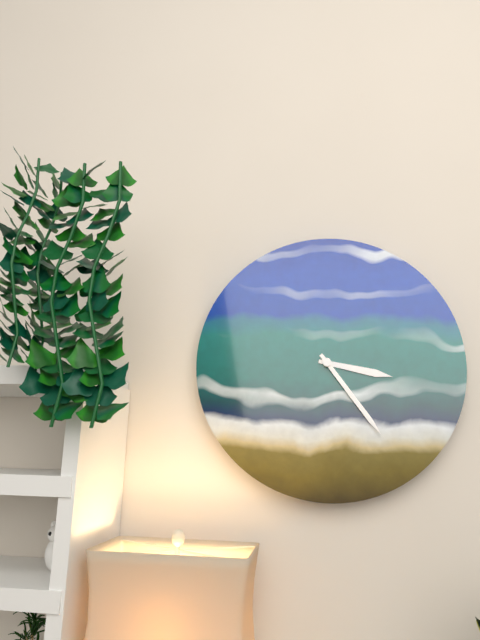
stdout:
3,24
